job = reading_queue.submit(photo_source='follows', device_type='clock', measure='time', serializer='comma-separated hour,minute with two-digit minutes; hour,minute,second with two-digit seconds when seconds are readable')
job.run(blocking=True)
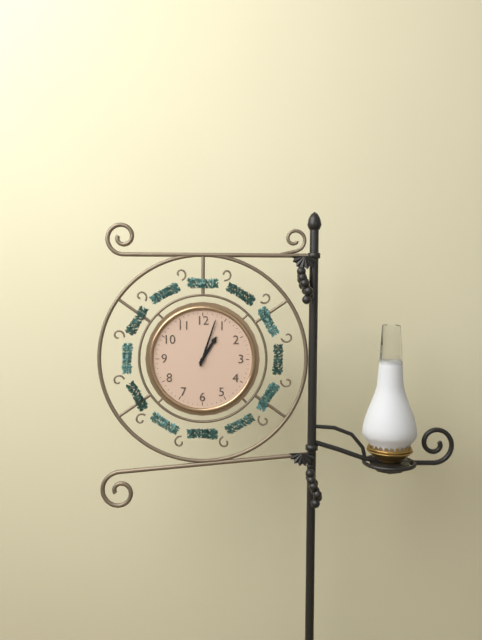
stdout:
1,03
